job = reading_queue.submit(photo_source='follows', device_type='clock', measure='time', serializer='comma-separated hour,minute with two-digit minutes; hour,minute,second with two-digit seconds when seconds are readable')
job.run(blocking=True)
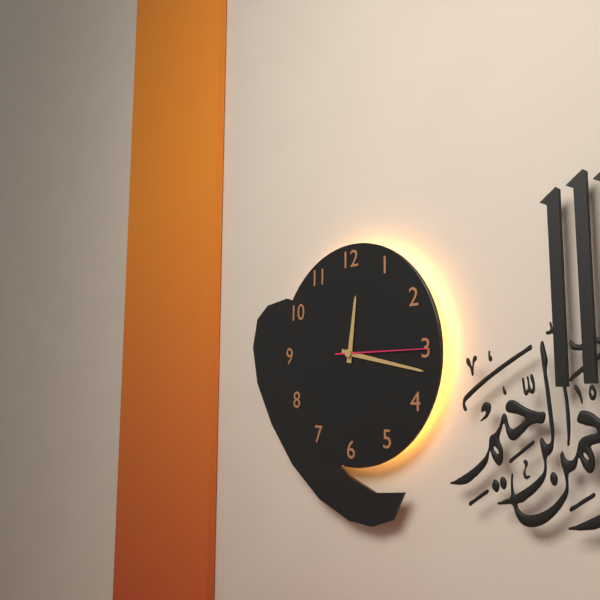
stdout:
12,17,15
